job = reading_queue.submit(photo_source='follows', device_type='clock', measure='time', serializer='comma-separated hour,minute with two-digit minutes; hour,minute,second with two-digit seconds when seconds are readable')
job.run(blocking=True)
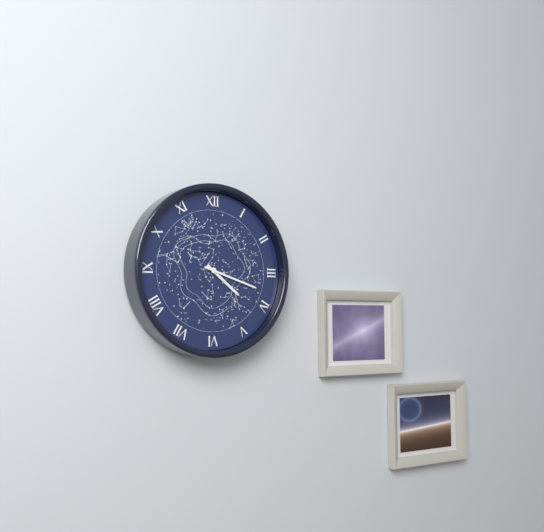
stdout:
4,18
